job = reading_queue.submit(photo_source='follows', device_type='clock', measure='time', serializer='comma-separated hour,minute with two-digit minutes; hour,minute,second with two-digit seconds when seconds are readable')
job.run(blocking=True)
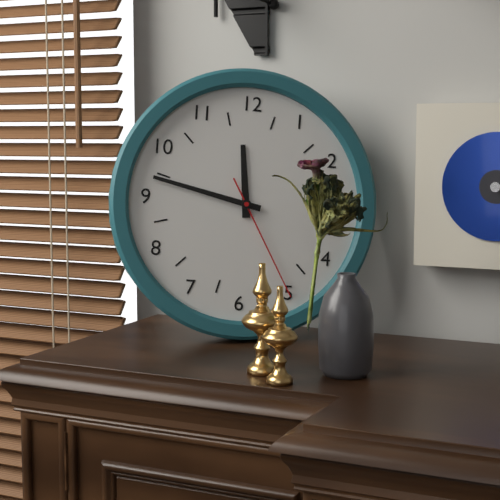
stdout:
11,47,25
